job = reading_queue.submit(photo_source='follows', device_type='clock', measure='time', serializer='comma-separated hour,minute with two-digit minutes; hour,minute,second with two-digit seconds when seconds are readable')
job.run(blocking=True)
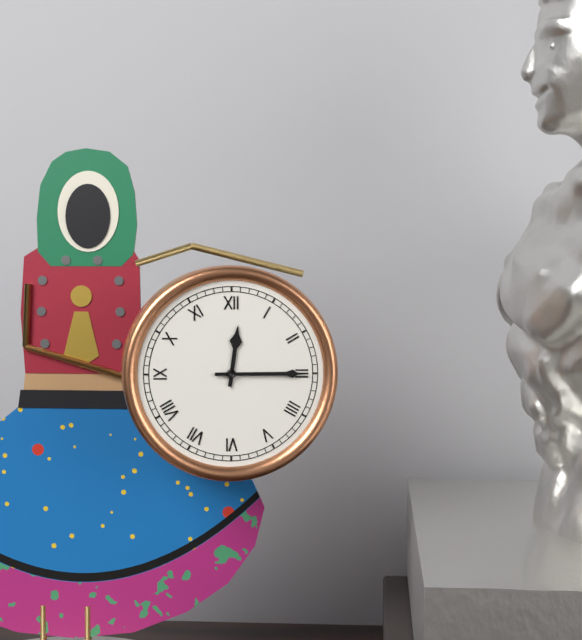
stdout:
12,15
